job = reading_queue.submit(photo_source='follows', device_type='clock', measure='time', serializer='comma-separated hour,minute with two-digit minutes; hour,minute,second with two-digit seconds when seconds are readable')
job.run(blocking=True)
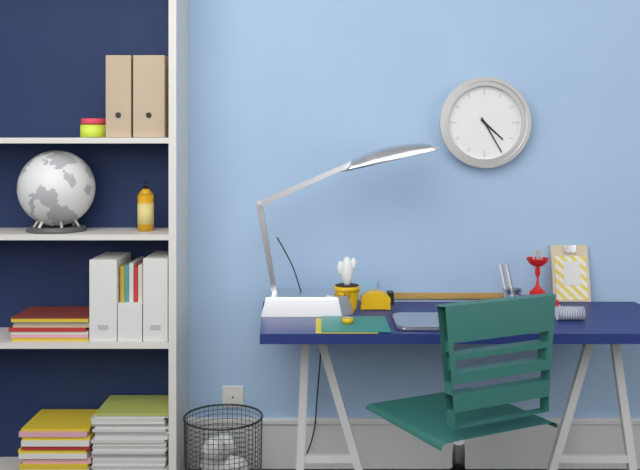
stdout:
4,25
